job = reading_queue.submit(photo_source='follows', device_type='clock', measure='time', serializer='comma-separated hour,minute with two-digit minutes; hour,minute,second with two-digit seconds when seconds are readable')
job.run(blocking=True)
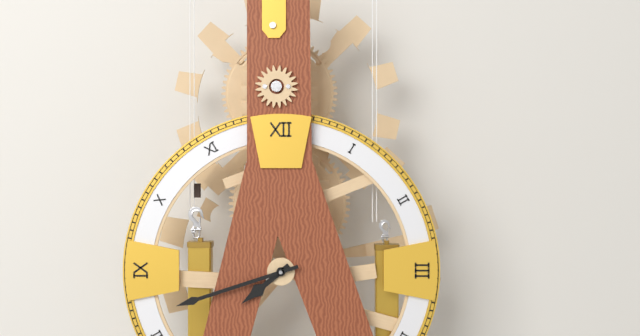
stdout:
7,42
